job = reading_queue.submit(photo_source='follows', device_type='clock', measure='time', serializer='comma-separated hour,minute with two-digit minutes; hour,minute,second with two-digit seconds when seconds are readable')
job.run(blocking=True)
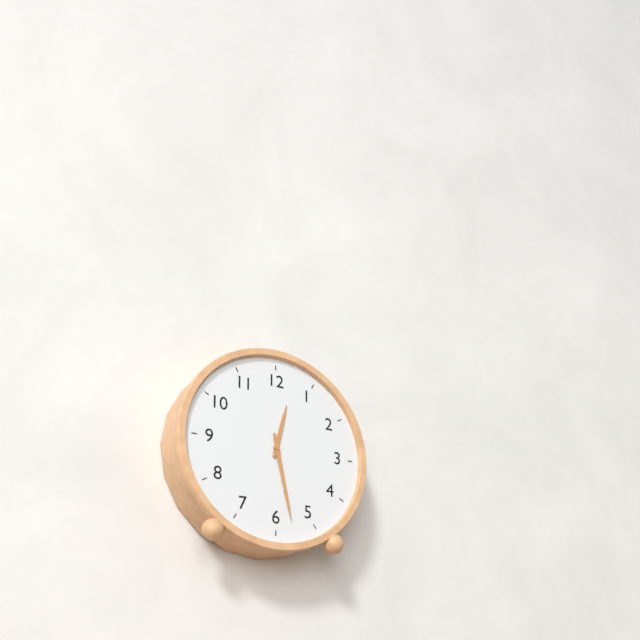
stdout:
12,28
